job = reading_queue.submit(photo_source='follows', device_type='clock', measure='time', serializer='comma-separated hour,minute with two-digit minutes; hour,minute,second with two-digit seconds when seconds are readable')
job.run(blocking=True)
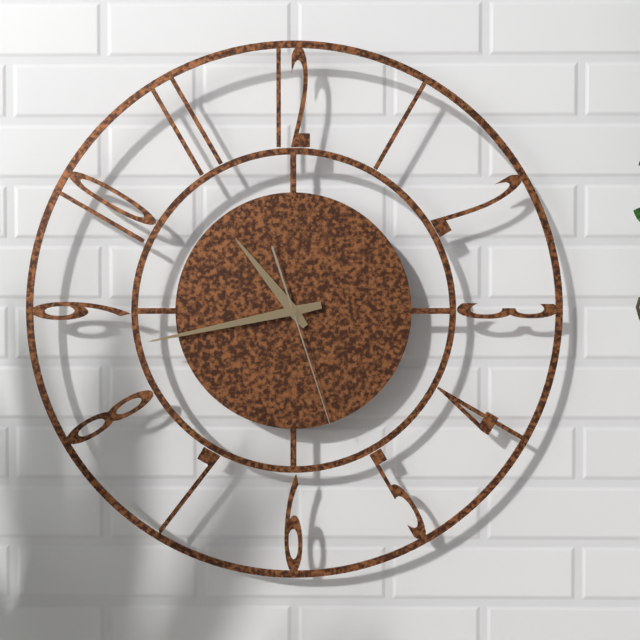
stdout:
10,43,27
